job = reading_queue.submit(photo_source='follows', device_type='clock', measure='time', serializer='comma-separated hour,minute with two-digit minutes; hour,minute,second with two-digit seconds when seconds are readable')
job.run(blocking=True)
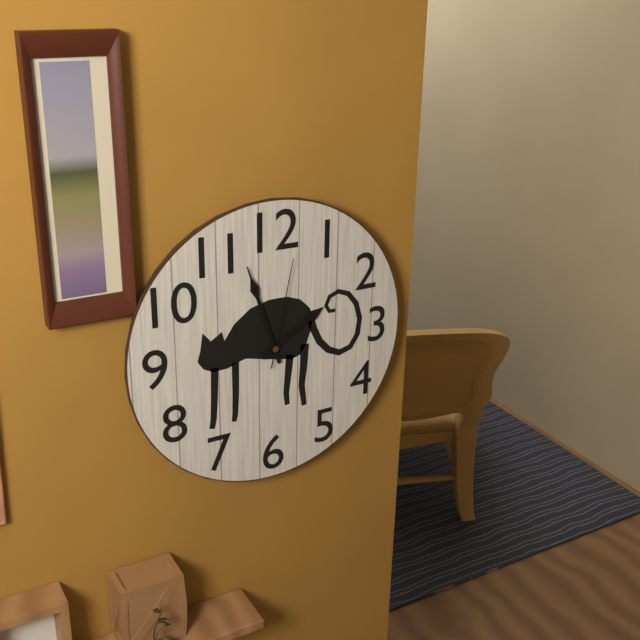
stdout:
1,57,02
